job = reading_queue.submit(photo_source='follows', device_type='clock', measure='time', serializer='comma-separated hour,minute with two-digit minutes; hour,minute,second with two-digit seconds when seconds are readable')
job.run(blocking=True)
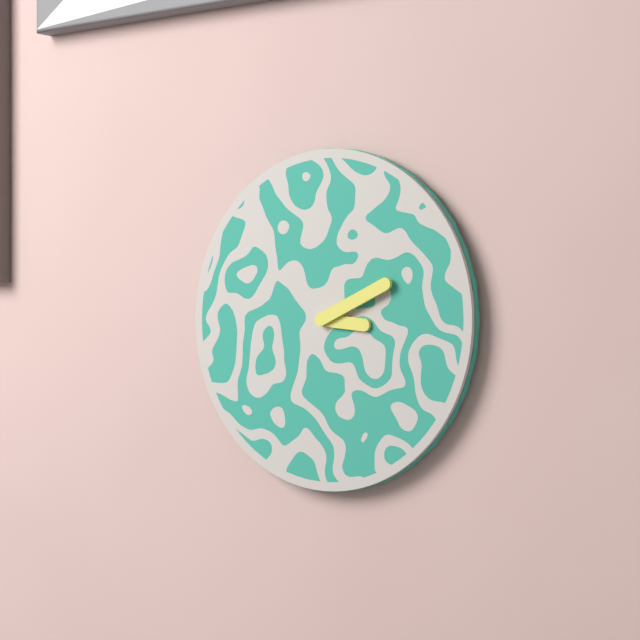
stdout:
3,11
